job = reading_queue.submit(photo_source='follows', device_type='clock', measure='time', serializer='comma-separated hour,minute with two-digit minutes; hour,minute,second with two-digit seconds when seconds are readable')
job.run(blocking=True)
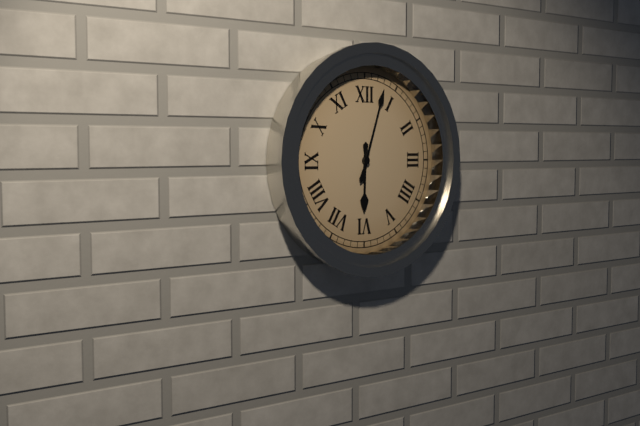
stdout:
6,03
